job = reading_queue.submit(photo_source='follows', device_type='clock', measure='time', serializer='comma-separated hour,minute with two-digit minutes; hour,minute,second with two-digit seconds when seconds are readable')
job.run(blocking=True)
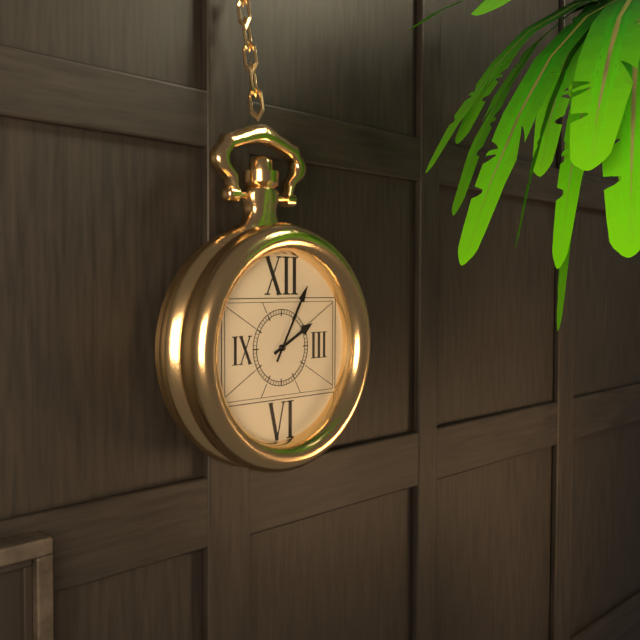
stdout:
2,05
